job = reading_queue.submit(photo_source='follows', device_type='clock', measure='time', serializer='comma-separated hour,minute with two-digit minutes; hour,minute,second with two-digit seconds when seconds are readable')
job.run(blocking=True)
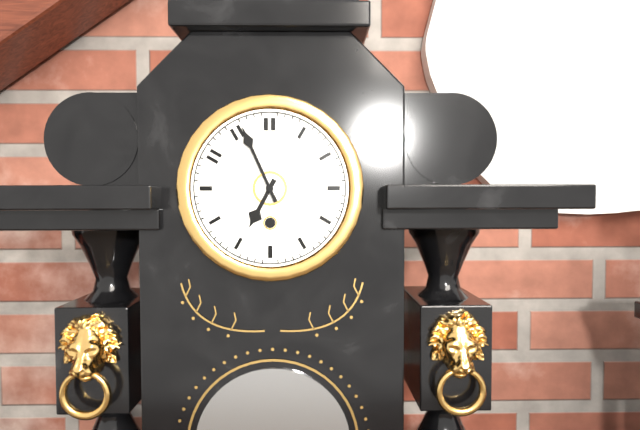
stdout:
6,56
